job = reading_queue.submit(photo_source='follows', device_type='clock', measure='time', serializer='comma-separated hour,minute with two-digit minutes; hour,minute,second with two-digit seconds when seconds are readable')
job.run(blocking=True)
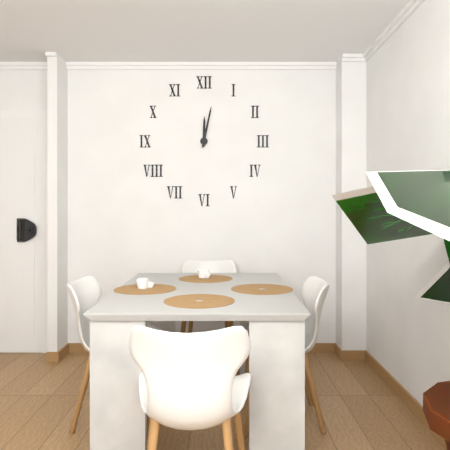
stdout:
12,02
